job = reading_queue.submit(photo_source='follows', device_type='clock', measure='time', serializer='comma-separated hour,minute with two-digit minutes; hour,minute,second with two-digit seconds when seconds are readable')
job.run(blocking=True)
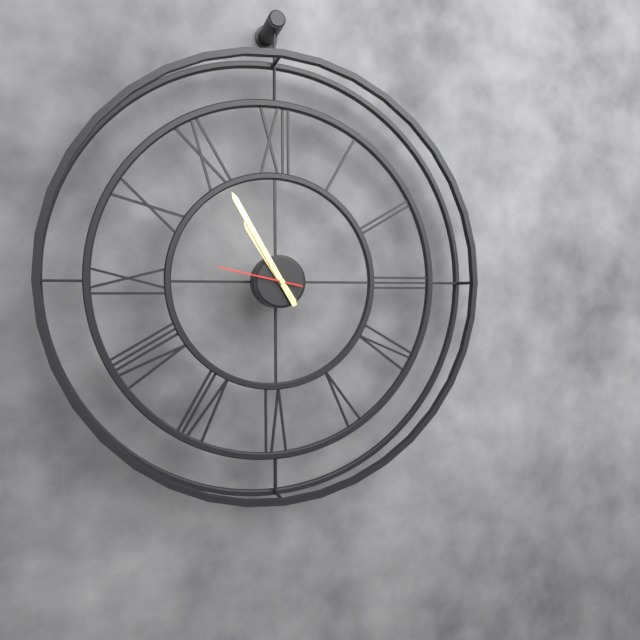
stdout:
10,55,47
